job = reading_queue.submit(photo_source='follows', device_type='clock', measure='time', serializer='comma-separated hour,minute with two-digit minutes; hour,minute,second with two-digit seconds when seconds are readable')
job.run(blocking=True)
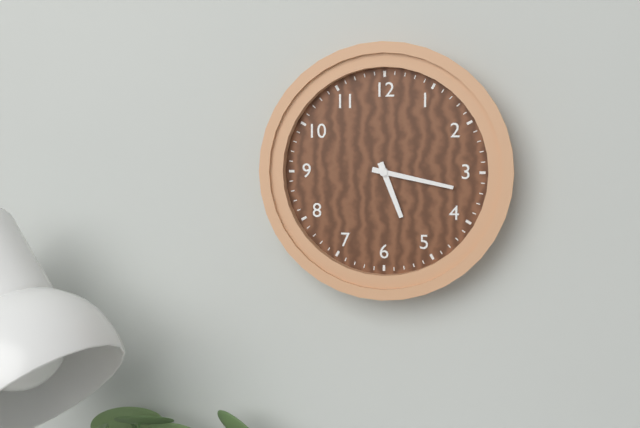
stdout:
5,17
